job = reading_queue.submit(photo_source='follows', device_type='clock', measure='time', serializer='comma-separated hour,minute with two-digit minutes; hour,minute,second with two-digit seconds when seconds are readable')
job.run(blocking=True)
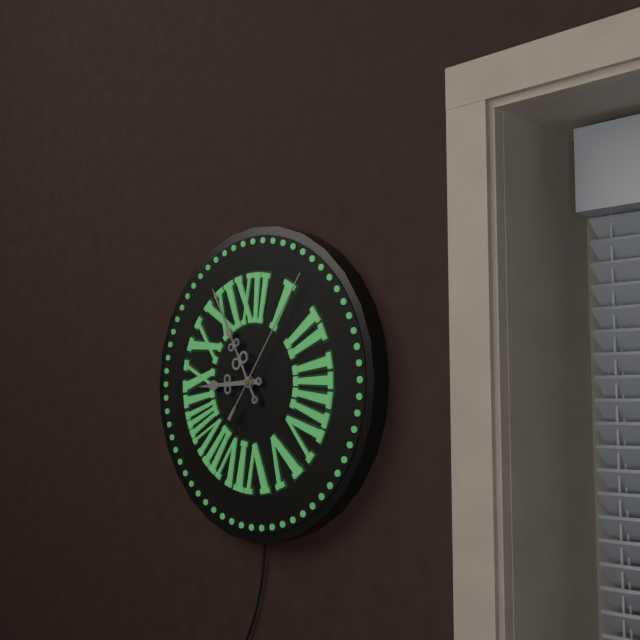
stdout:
8,55,06
